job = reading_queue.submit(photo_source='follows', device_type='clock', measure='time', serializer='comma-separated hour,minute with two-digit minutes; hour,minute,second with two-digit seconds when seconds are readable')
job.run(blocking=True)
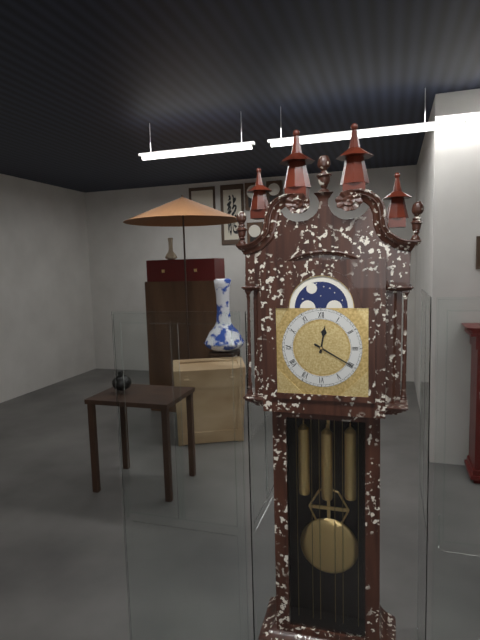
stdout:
12,20
